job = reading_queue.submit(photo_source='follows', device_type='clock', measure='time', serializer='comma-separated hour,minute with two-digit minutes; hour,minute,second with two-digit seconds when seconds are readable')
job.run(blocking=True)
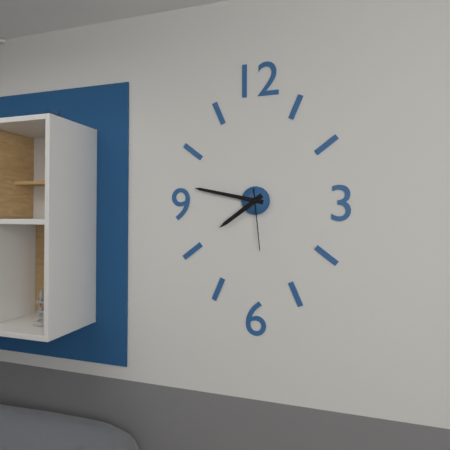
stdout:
7,47,29
